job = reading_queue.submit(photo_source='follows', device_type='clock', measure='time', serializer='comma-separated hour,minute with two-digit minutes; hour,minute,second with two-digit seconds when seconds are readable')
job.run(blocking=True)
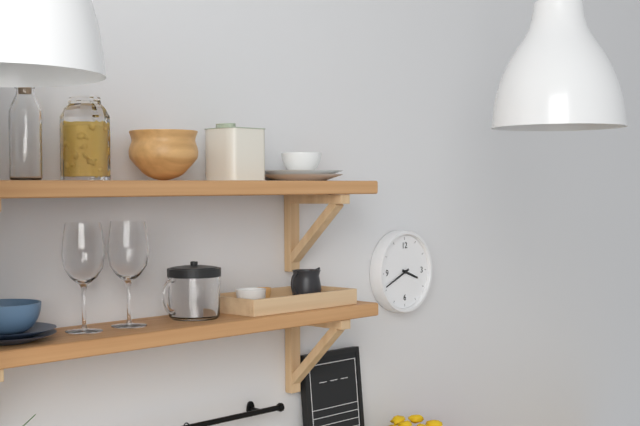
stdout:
3,41
